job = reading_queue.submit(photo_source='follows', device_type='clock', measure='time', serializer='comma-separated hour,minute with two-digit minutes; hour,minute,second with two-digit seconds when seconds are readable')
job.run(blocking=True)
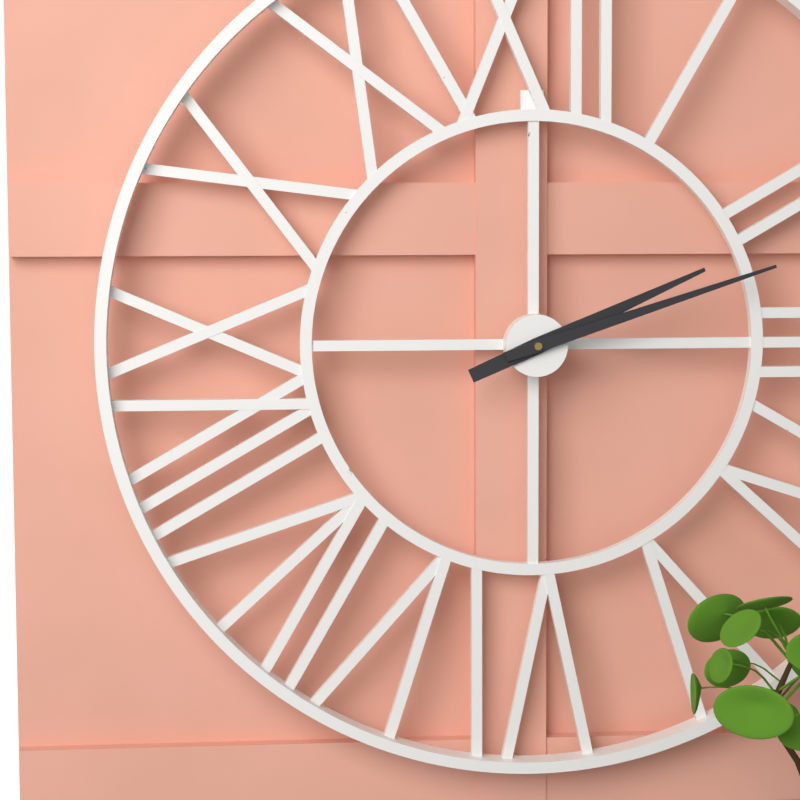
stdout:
2,12
